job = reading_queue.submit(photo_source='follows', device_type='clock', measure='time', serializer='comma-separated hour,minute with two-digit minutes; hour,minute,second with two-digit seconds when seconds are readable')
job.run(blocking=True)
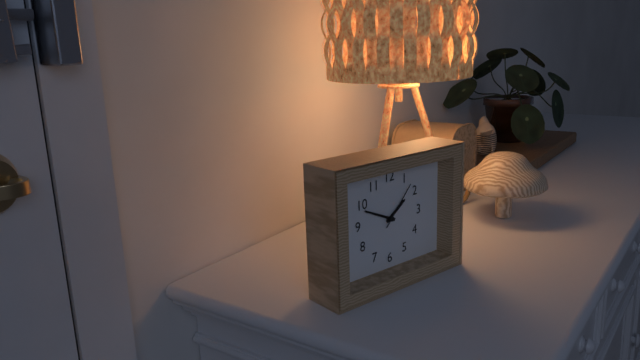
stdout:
1,49
